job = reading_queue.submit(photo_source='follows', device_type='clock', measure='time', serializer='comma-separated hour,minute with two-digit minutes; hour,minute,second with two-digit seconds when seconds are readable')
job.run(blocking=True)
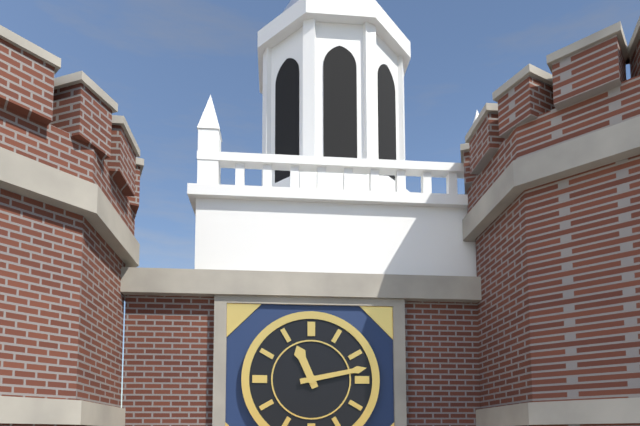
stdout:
11,13
